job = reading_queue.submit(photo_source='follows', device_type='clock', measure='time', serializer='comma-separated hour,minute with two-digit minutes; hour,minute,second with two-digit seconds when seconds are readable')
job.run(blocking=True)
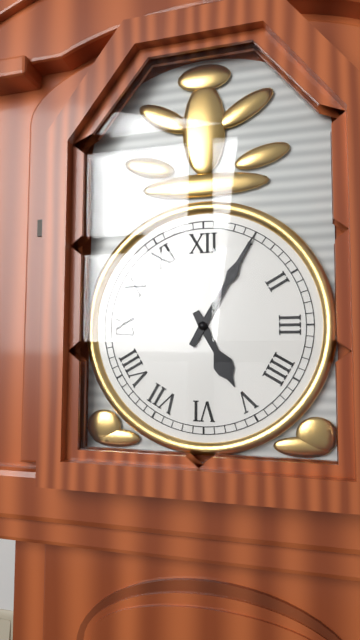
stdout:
5,05
